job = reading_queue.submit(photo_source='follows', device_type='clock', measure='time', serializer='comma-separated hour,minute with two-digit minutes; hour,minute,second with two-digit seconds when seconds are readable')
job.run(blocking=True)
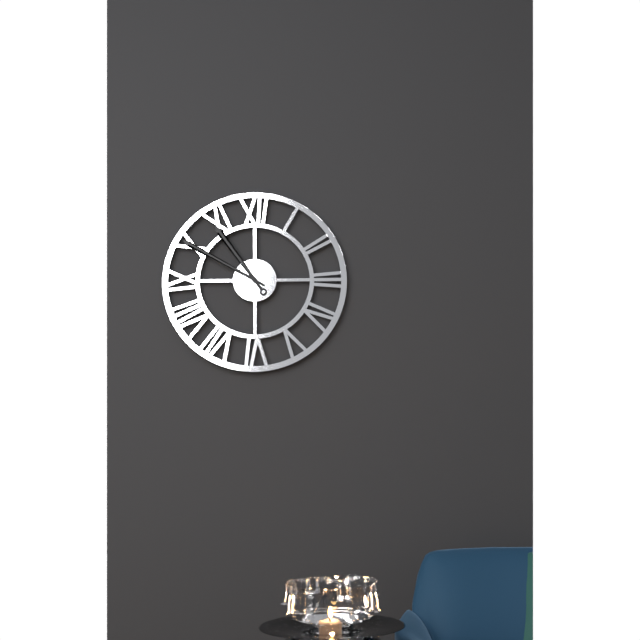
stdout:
10,50
